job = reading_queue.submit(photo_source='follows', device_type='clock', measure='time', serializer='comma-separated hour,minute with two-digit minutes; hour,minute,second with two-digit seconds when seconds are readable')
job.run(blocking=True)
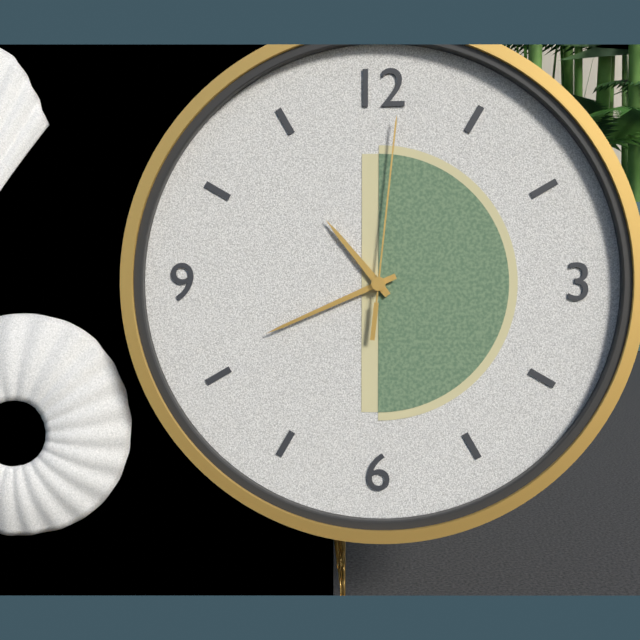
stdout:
10,41,01
